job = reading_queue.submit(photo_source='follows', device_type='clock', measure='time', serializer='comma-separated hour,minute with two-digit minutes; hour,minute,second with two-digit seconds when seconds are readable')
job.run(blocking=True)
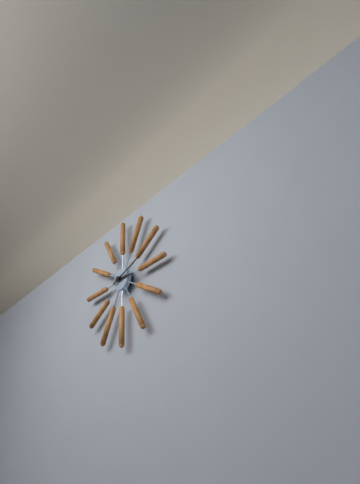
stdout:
3,12
